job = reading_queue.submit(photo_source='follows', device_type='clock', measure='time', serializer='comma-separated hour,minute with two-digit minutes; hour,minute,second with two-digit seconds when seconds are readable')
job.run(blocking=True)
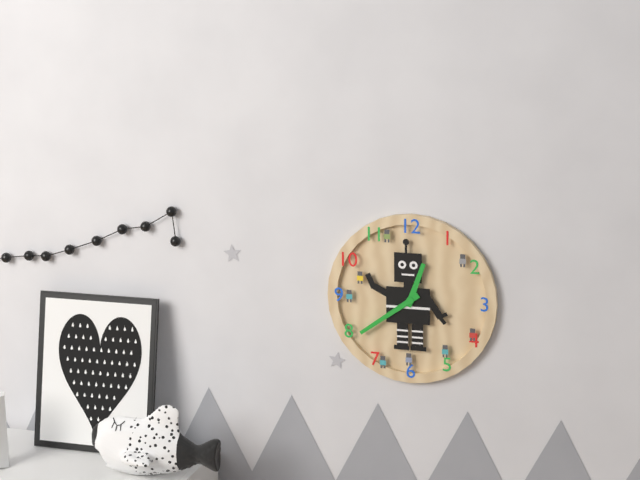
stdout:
12,39
